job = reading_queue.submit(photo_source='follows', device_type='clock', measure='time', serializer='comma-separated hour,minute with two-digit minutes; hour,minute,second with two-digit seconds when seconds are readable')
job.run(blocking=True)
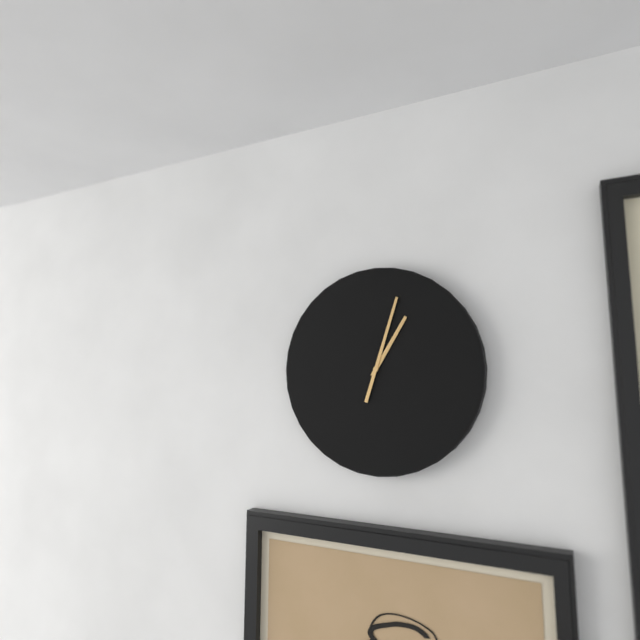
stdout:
1,03
